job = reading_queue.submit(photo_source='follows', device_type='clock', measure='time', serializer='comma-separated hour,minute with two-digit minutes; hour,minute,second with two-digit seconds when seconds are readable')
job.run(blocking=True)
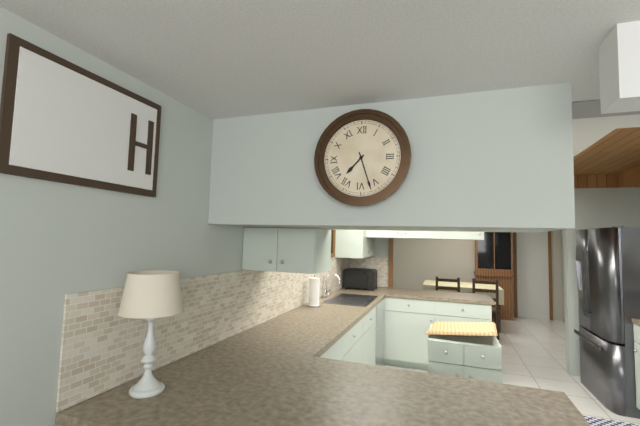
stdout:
7,27
